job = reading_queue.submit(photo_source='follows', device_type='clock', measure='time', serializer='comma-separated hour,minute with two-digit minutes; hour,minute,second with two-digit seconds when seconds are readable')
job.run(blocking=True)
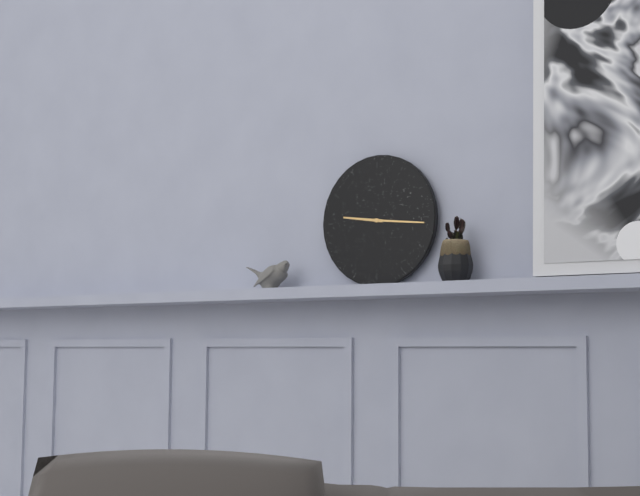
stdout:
9,16
